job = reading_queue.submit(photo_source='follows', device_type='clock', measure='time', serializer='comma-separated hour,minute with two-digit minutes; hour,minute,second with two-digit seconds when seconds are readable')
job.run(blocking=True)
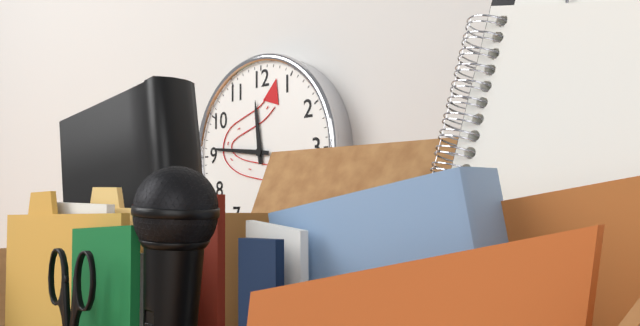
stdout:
11,46
